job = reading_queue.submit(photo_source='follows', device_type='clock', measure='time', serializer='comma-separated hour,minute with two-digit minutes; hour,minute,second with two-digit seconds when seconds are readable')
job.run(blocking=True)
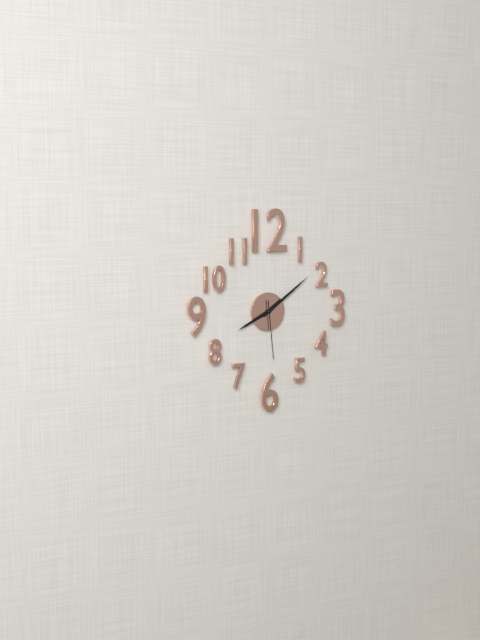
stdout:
8,09,29
